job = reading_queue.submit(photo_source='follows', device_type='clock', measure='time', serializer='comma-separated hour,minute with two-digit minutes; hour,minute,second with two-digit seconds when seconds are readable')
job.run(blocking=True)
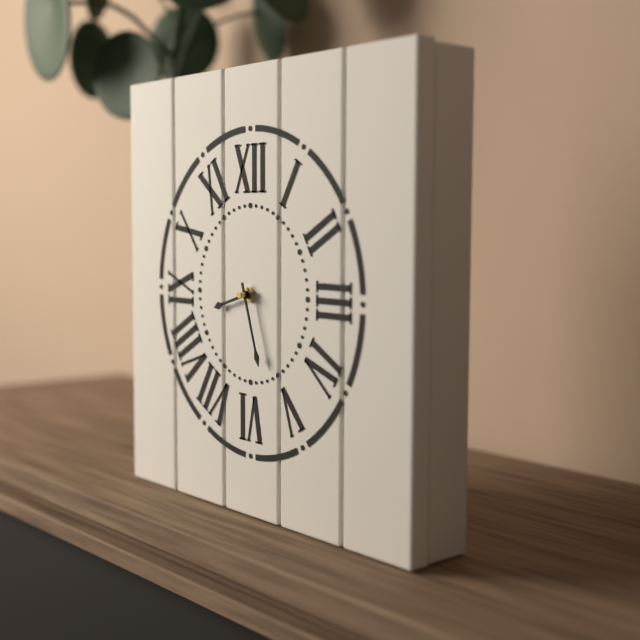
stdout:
8,27
